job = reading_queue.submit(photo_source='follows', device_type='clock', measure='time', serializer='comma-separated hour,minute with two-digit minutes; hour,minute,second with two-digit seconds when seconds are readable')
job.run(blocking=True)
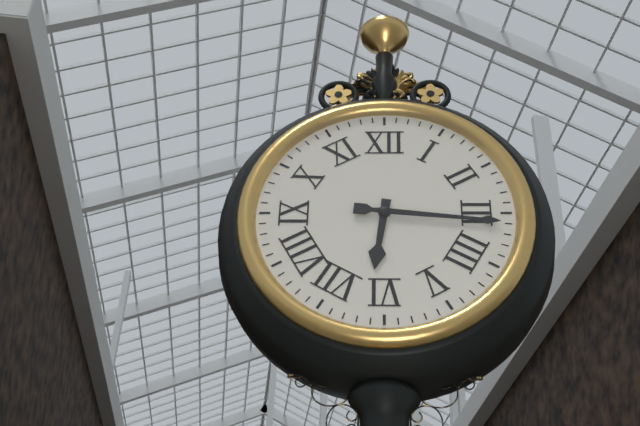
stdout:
6,16
